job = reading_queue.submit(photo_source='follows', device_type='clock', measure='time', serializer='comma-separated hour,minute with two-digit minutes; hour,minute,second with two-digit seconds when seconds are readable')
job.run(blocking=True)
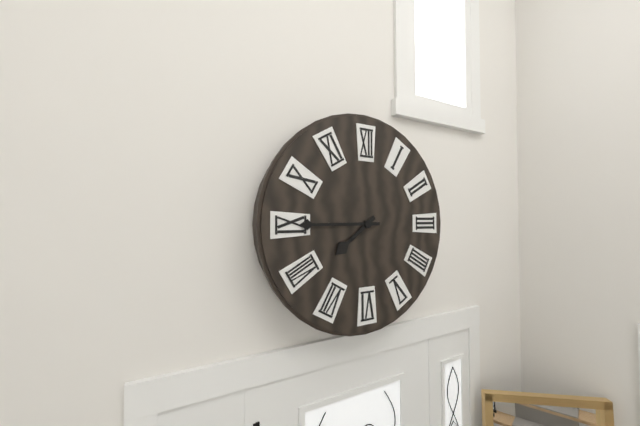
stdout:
7,45
